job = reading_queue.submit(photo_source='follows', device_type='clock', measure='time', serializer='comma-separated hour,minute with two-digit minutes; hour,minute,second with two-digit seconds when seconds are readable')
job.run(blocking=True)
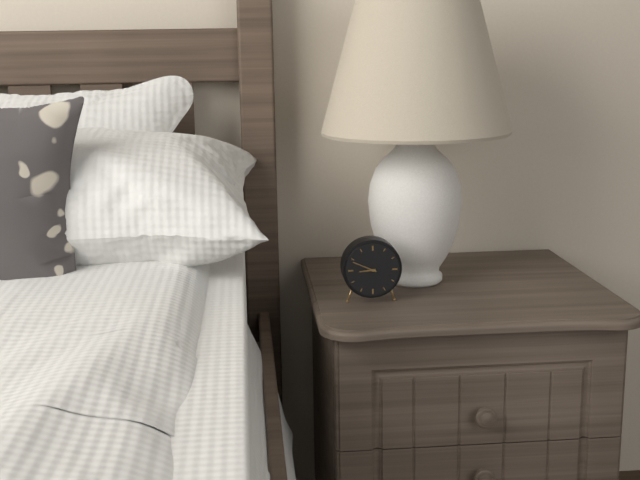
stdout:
8,49
